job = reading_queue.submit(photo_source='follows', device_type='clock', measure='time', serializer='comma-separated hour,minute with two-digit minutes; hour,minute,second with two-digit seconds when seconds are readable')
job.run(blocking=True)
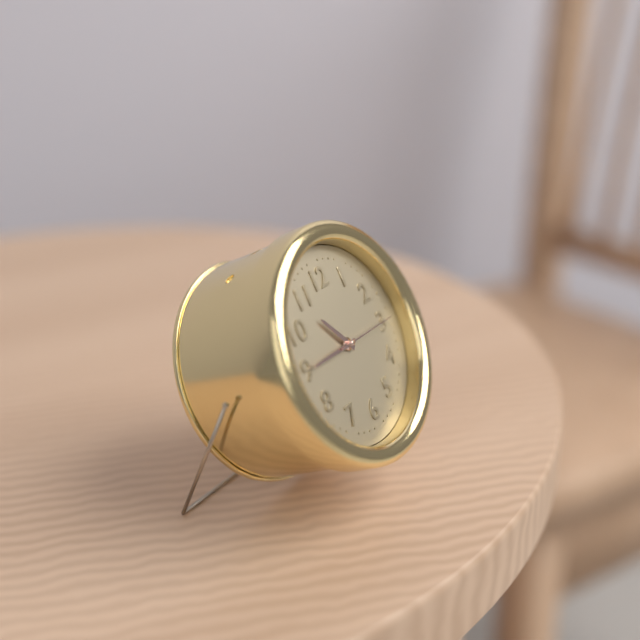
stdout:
10,45,15
